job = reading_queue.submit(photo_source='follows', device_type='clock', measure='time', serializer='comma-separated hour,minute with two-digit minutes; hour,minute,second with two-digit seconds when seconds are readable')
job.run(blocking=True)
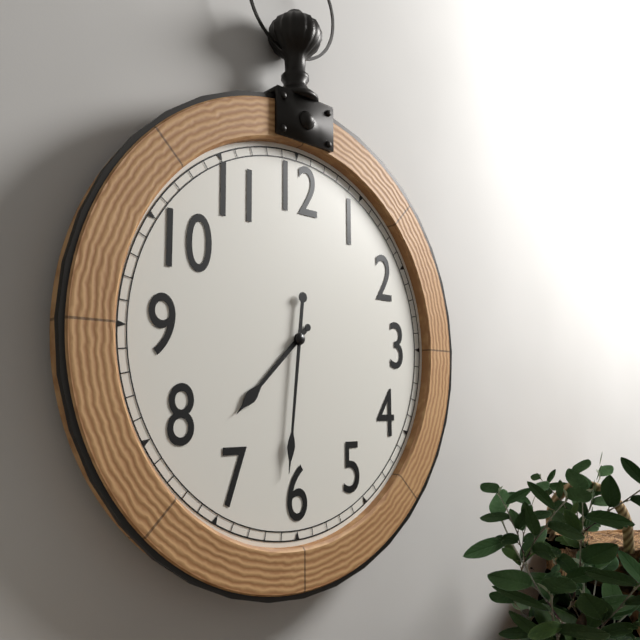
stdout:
7,31
